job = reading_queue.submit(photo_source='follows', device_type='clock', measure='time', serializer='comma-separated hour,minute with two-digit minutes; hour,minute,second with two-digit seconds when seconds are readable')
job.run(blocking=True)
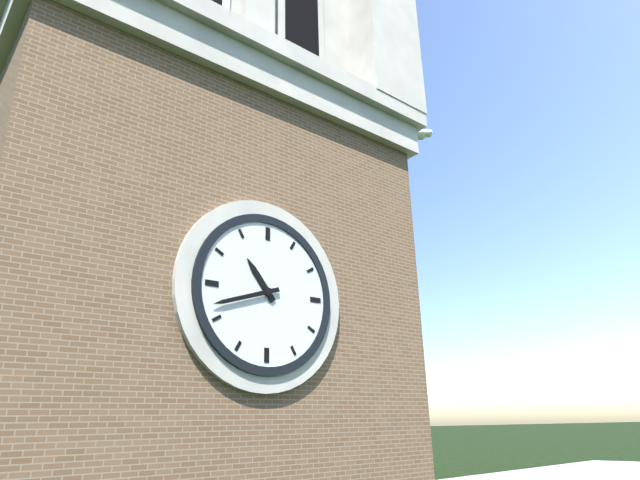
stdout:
10,42
